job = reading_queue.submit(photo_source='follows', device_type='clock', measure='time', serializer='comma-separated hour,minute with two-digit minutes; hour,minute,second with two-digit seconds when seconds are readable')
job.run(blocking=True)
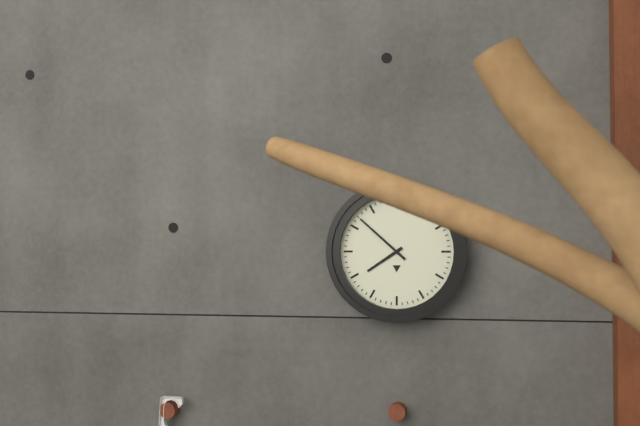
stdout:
7,52
